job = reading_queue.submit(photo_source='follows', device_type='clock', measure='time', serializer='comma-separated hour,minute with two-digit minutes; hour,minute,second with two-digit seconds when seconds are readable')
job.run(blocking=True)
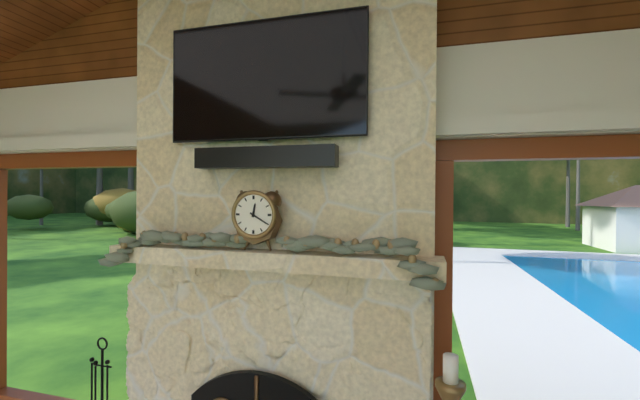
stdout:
12,20
